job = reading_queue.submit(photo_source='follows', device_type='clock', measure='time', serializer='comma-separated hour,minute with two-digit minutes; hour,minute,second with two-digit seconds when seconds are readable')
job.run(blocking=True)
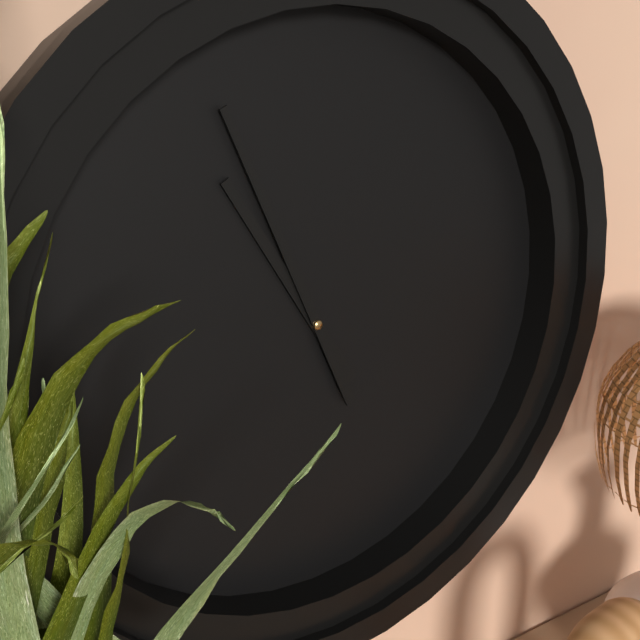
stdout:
10,56
